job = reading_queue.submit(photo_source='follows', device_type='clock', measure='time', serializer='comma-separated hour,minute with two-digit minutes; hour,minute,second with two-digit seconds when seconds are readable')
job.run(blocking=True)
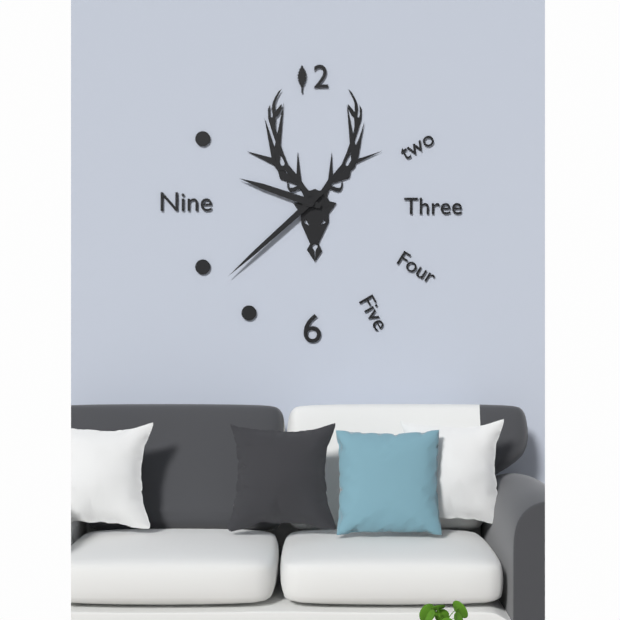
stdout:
9,38
